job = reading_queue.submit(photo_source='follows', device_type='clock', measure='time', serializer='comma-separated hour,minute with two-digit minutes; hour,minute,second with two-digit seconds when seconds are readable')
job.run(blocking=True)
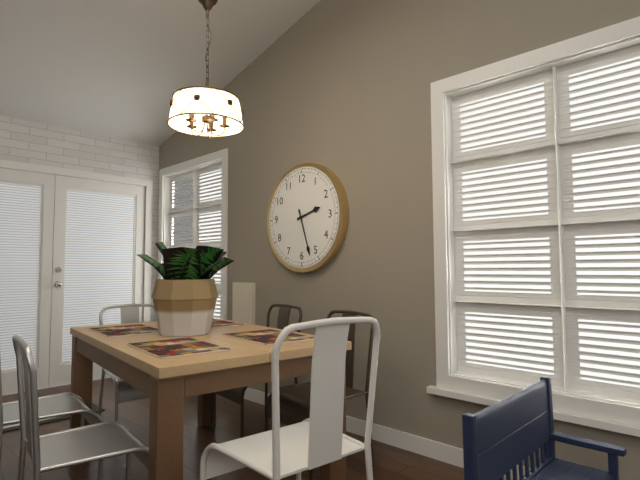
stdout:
2,27
